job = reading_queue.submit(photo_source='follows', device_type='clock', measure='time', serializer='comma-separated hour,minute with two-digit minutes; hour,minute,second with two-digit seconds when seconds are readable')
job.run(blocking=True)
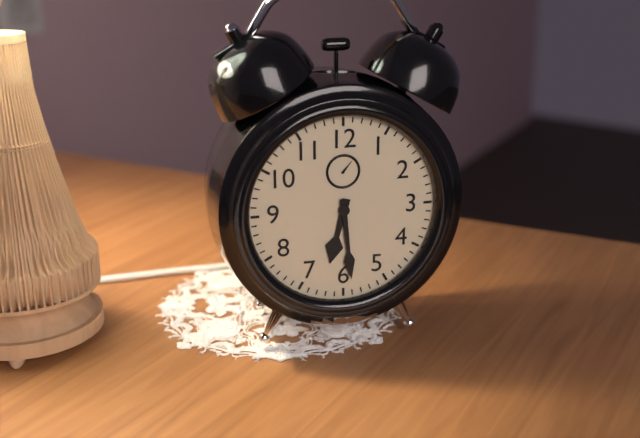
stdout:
6,29
